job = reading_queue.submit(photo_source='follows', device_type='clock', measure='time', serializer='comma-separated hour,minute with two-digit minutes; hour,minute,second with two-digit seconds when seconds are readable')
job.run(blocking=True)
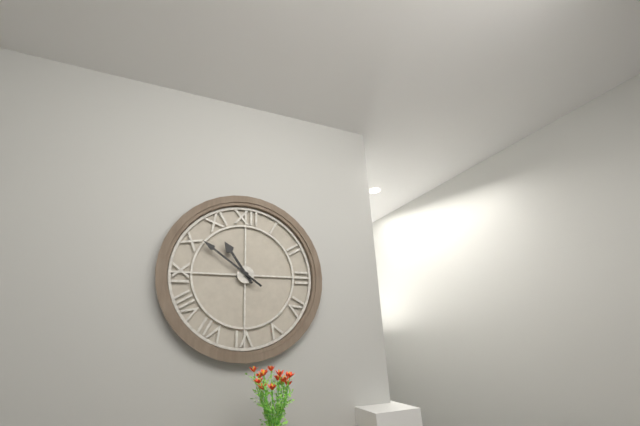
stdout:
10,51
